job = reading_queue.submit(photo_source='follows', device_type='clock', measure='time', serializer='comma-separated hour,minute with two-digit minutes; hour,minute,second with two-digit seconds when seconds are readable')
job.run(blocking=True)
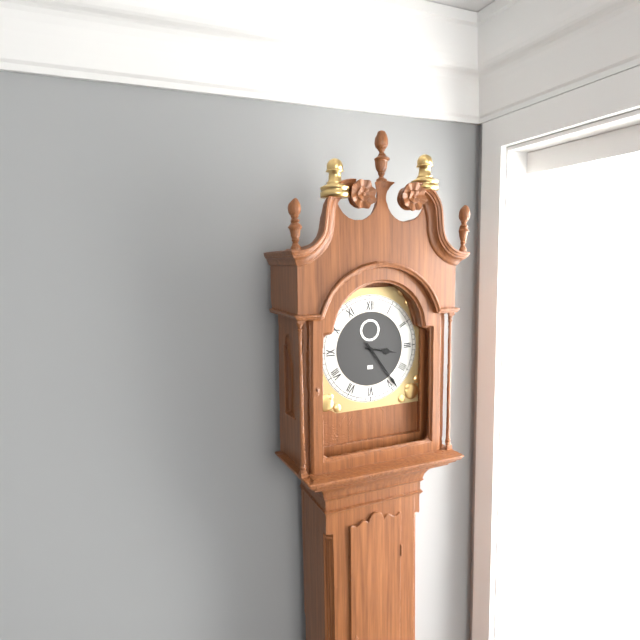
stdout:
3,24
